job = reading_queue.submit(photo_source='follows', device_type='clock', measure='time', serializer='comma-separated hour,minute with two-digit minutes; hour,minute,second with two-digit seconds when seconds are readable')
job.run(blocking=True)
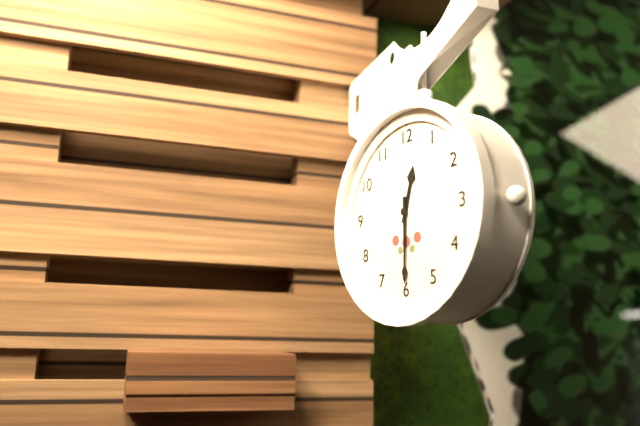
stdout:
12,30
